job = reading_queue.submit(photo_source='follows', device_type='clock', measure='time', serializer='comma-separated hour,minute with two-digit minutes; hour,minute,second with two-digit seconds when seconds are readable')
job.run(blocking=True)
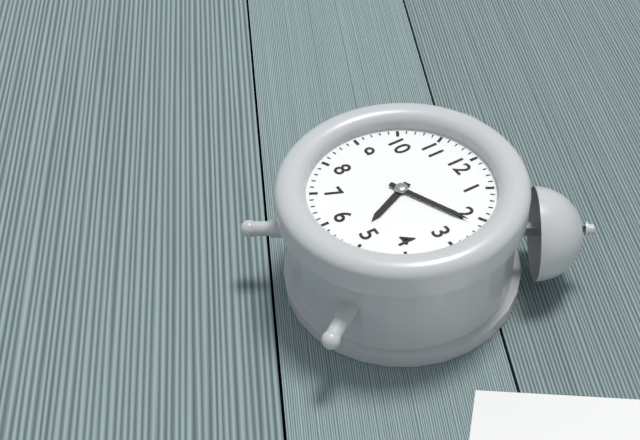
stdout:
5,11
